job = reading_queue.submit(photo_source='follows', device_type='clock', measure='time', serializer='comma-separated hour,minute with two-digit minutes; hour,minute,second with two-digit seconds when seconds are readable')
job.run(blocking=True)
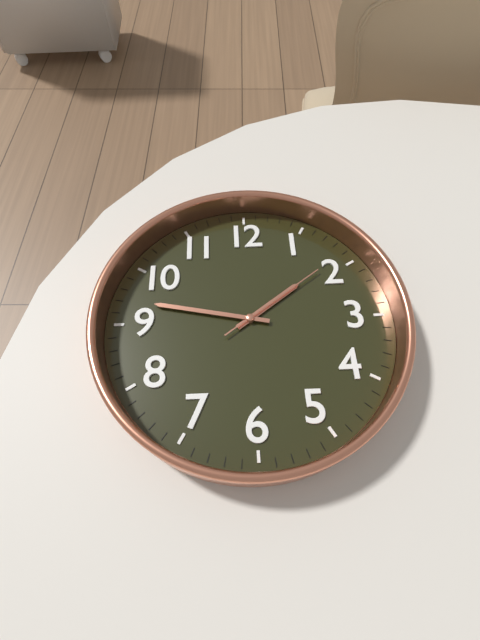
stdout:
1,47,09
